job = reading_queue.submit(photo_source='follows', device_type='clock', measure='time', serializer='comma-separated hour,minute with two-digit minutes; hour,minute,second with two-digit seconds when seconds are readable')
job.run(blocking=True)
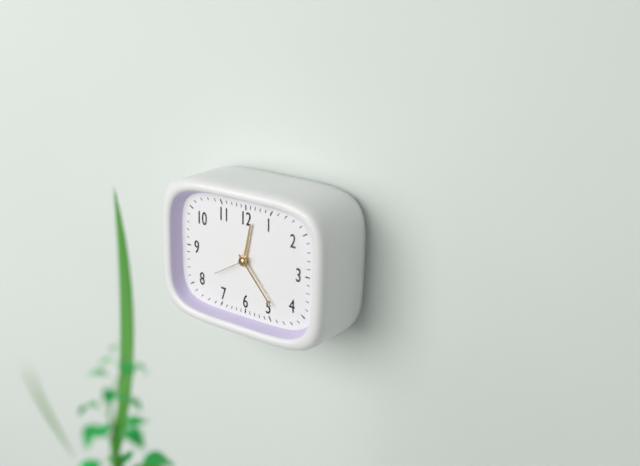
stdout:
12,23
